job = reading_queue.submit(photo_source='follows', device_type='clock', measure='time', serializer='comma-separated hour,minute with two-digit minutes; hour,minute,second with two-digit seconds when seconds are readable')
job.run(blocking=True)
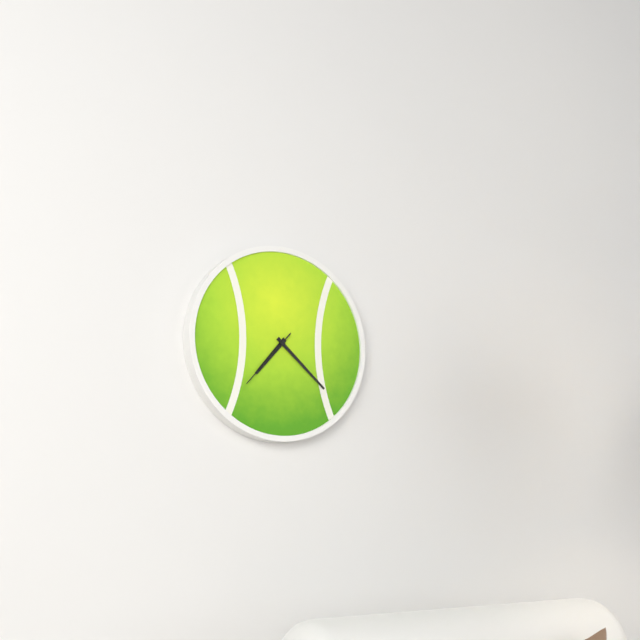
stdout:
7,22,37
